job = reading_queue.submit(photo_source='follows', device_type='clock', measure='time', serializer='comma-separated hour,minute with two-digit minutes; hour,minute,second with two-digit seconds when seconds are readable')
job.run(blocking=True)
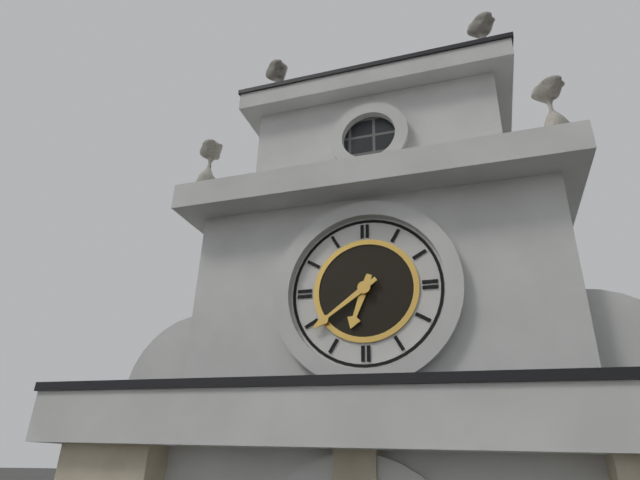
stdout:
6,39
